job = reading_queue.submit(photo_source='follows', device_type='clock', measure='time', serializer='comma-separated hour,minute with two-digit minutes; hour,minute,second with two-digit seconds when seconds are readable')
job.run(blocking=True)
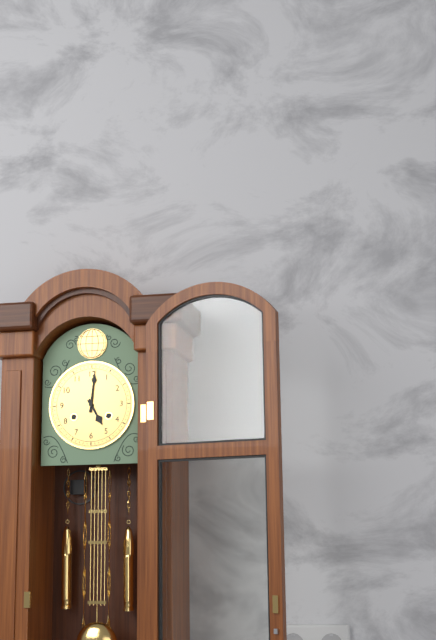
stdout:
5,01
